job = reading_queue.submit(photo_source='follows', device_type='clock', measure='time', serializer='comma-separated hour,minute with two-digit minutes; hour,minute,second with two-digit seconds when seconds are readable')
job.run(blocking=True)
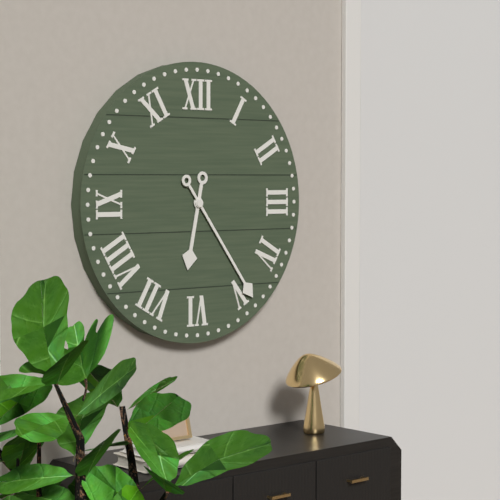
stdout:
6,24
